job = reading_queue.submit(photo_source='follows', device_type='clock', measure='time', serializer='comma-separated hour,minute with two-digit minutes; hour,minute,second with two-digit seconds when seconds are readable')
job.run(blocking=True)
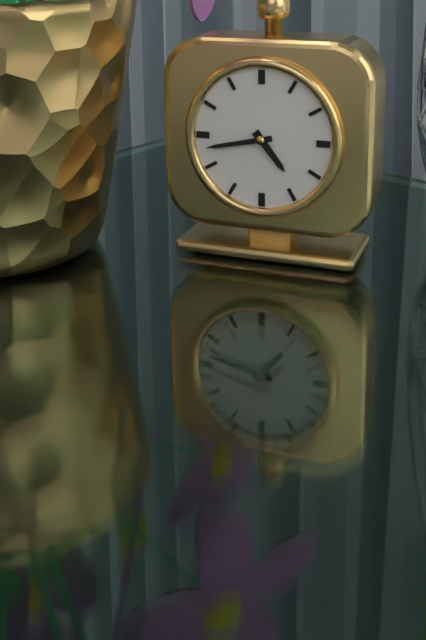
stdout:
4,43
